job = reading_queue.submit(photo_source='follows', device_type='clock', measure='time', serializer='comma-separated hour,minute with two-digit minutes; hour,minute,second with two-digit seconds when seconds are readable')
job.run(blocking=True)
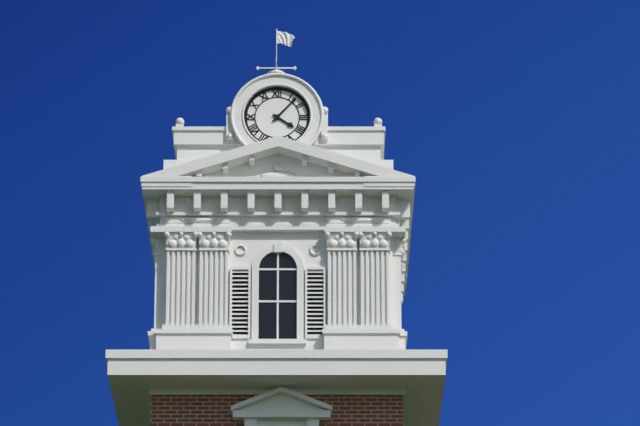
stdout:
4,07
